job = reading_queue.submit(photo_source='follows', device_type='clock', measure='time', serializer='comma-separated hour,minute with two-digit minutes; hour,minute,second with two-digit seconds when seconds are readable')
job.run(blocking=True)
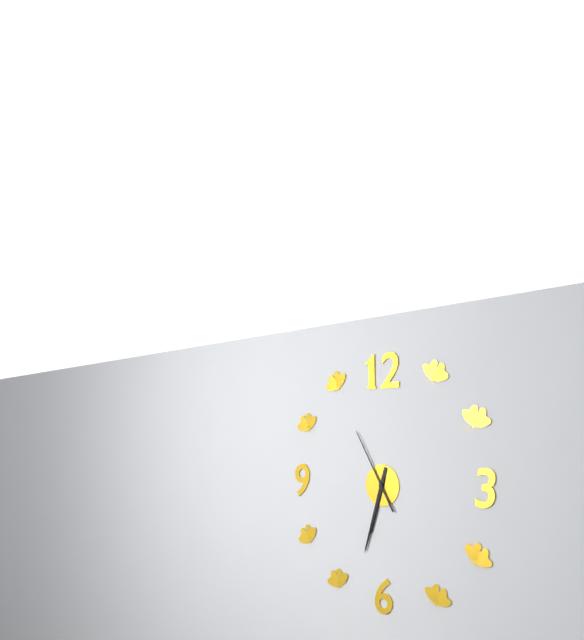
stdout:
6,33,55
